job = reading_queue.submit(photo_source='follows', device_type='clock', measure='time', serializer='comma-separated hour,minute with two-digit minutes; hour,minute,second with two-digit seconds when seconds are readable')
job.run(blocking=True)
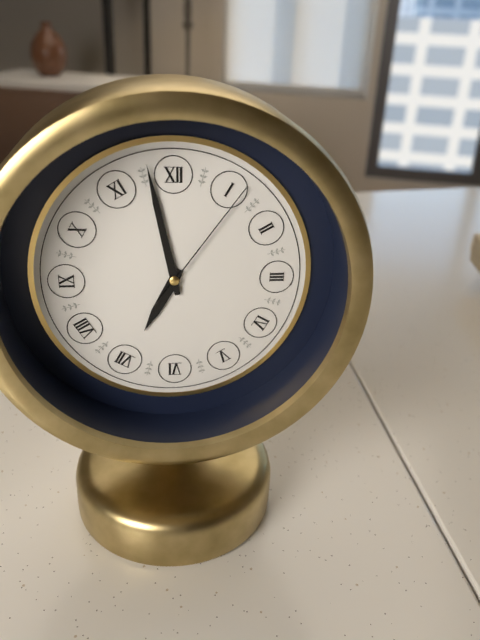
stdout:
6,58,06
